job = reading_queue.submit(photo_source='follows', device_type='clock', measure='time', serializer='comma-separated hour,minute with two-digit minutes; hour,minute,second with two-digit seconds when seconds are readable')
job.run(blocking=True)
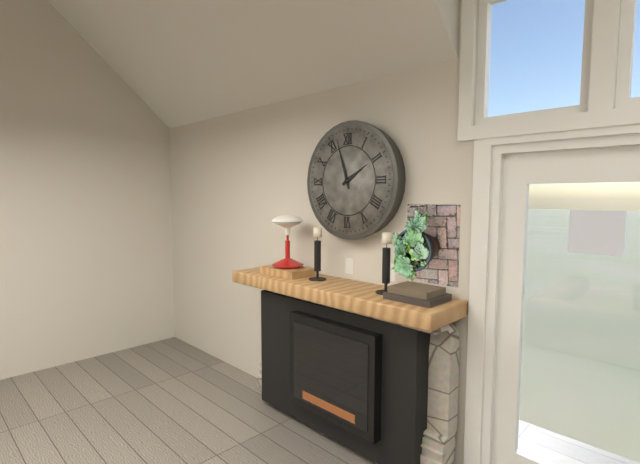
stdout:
1,57
